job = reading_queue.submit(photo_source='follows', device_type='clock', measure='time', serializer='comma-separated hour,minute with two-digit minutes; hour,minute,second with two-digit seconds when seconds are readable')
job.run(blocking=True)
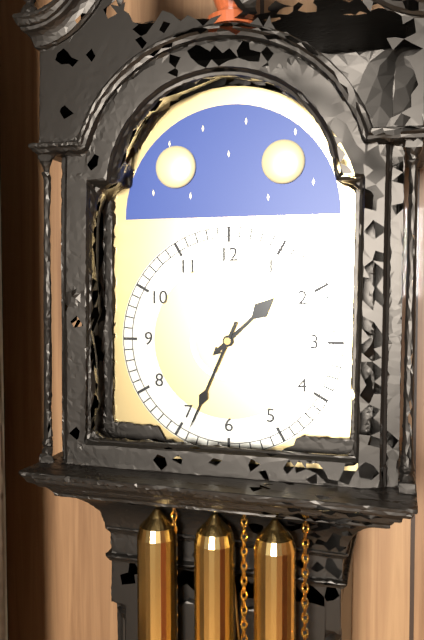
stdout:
1,34
